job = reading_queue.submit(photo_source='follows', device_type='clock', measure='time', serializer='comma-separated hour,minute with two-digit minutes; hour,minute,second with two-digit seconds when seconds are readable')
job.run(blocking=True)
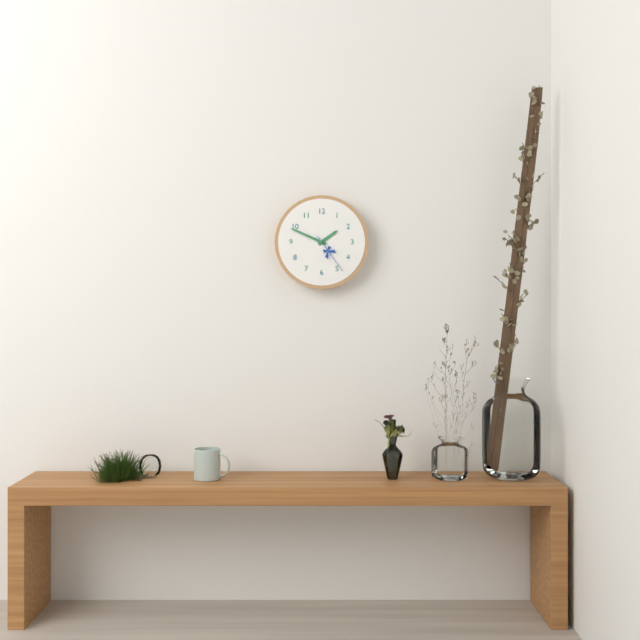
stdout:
1,49
